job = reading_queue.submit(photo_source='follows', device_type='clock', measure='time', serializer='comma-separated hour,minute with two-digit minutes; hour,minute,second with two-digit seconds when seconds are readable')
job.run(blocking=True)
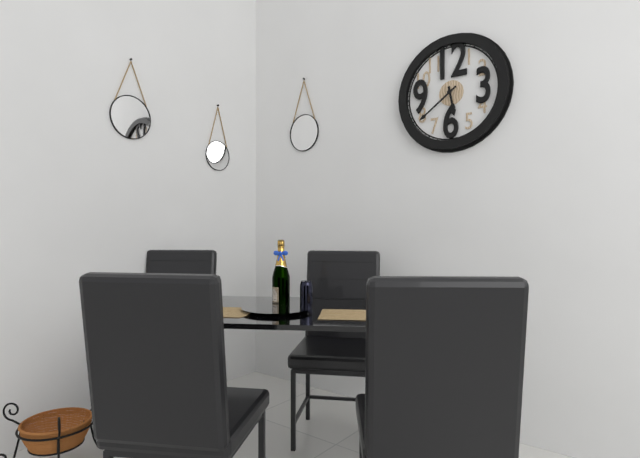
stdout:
5,39
